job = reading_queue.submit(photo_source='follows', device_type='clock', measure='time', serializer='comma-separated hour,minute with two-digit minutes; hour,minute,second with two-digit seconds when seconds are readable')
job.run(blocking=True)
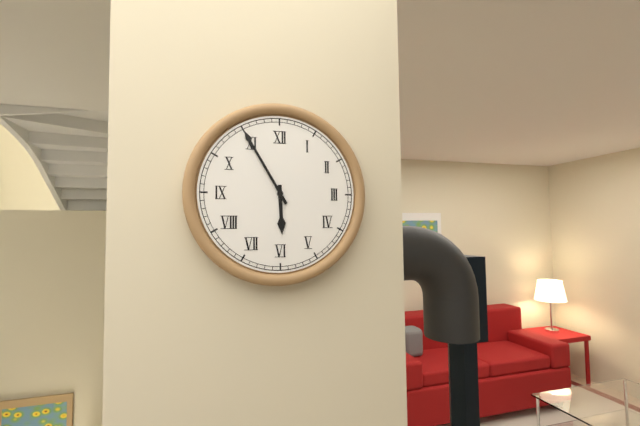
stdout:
5,55
